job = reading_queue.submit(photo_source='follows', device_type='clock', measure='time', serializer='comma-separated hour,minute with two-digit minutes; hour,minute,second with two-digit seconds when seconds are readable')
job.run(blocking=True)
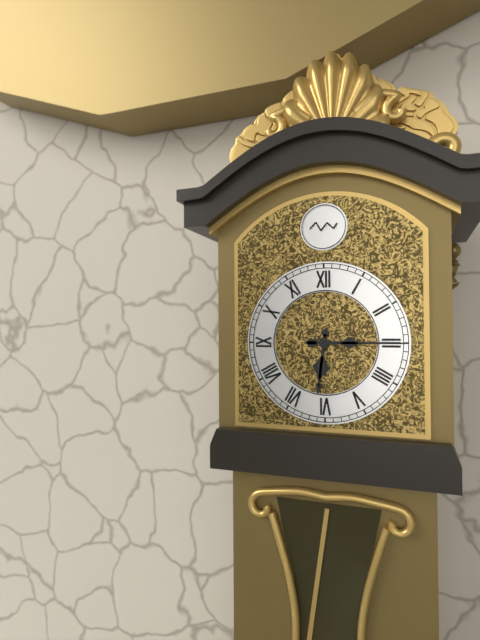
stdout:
6,15
